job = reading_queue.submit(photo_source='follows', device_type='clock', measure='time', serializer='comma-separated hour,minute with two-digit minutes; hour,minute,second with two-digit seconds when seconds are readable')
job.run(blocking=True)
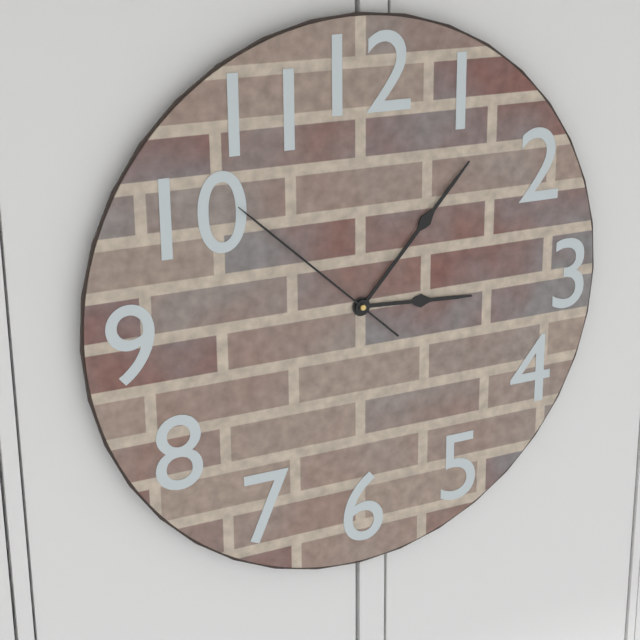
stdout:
3,07,52
